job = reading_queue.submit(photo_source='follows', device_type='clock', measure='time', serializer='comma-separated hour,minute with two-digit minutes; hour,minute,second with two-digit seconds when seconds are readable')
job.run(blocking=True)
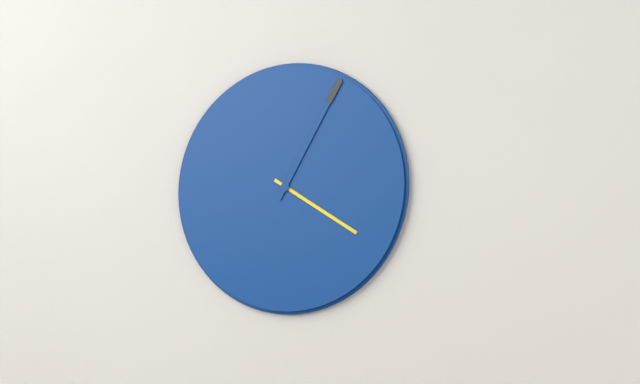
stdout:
4,05
